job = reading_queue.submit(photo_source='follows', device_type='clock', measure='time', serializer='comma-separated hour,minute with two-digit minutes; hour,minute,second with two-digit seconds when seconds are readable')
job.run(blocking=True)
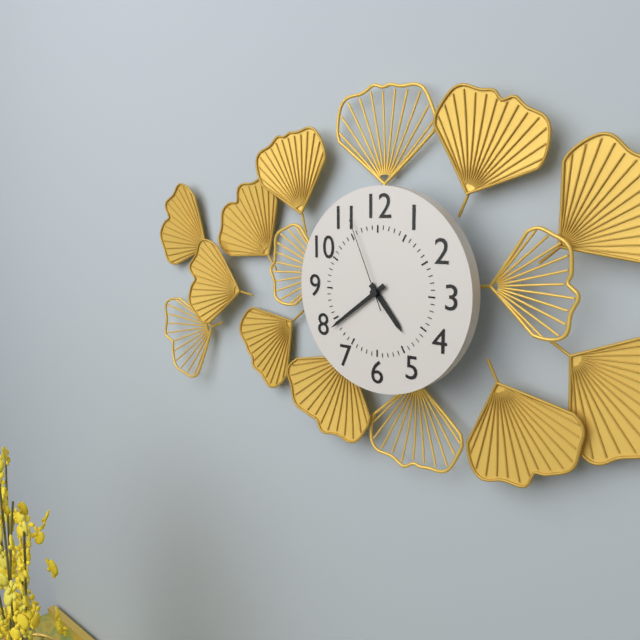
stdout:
4,39,56
